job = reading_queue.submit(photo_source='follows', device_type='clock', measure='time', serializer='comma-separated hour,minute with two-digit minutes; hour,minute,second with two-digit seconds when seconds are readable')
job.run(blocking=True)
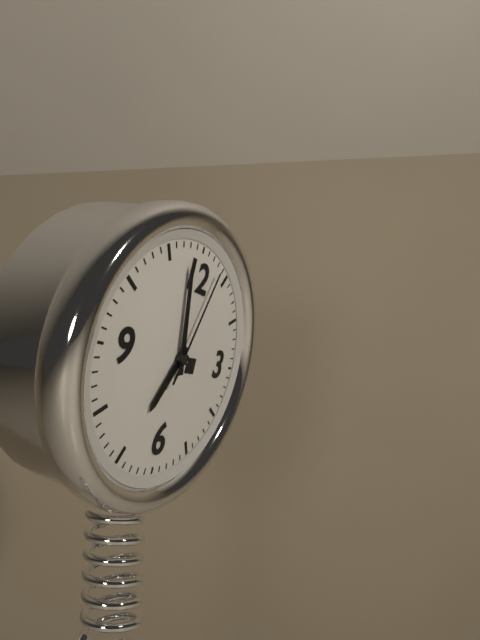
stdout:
6,58,03
